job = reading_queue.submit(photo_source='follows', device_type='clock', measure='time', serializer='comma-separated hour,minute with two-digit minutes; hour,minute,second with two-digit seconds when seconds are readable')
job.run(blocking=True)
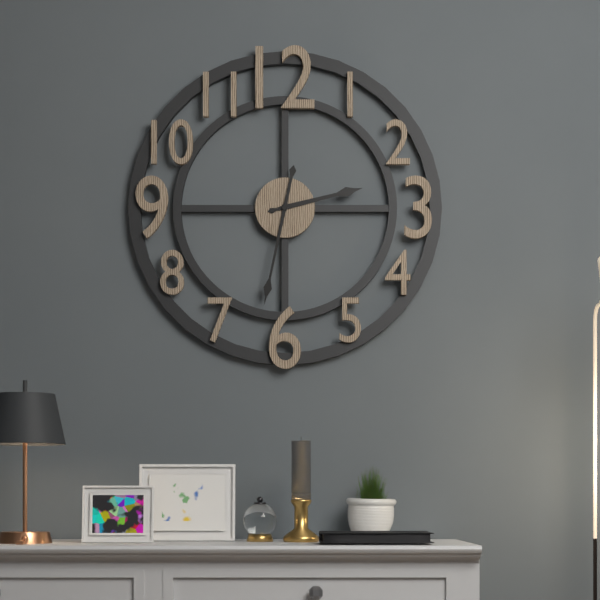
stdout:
2,32
